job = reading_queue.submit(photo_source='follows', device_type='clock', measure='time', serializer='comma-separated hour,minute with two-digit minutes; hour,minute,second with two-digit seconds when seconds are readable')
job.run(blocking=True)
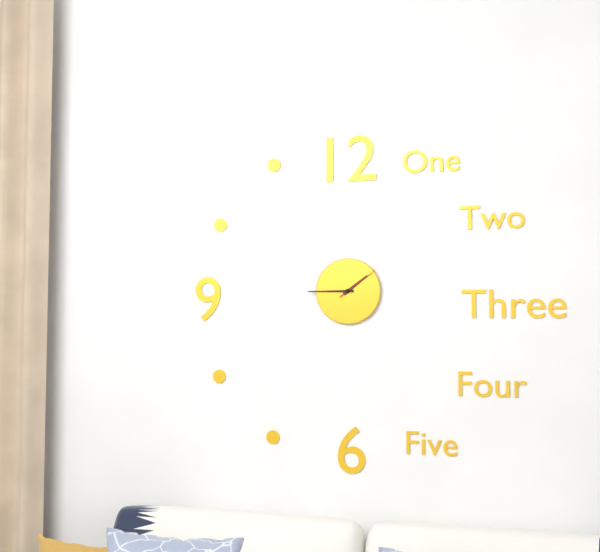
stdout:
1,45
